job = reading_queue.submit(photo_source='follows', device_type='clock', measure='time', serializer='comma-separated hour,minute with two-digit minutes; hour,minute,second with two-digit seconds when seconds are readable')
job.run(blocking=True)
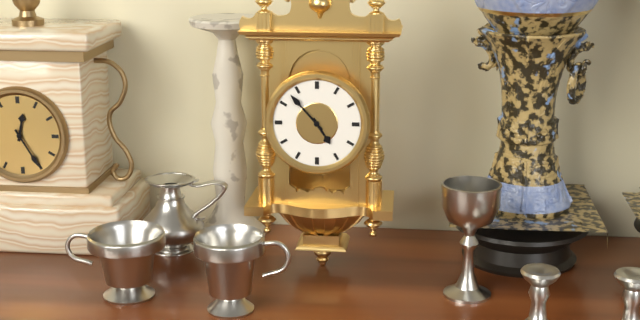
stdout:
4,53
